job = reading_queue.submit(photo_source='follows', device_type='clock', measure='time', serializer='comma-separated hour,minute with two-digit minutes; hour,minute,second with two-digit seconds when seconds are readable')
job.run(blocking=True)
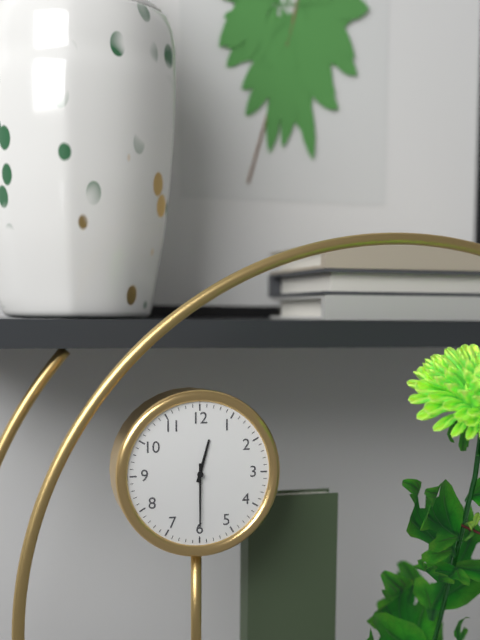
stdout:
12,30
